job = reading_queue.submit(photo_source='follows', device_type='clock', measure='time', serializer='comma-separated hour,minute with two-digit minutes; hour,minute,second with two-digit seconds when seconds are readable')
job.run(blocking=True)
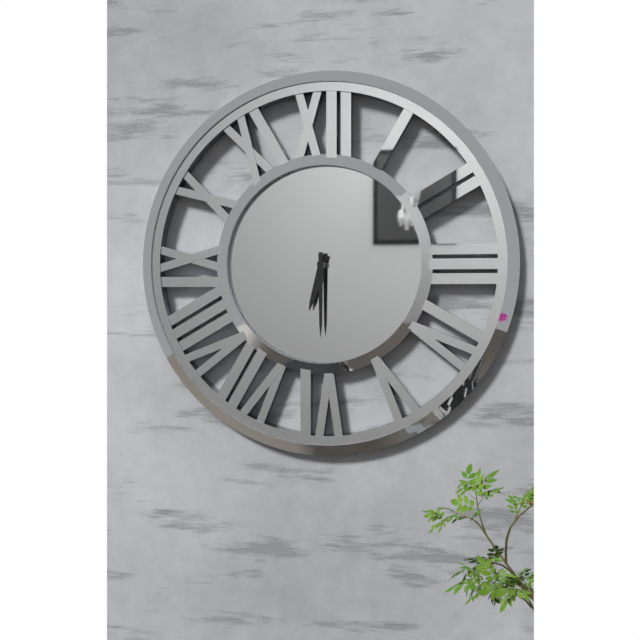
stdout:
6,30
